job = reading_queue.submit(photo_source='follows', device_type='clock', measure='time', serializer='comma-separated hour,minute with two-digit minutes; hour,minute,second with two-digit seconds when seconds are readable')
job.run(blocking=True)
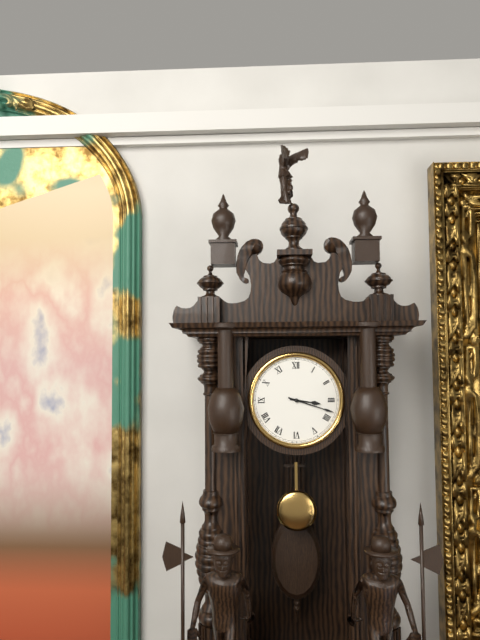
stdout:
3,18
